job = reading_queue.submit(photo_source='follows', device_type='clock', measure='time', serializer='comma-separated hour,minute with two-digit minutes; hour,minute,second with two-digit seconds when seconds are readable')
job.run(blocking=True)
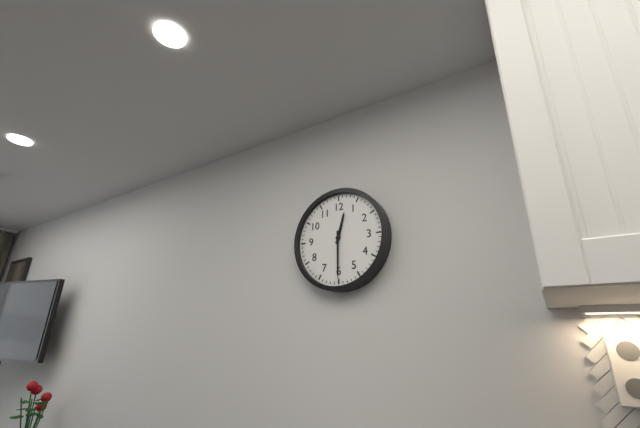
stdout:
12,30
